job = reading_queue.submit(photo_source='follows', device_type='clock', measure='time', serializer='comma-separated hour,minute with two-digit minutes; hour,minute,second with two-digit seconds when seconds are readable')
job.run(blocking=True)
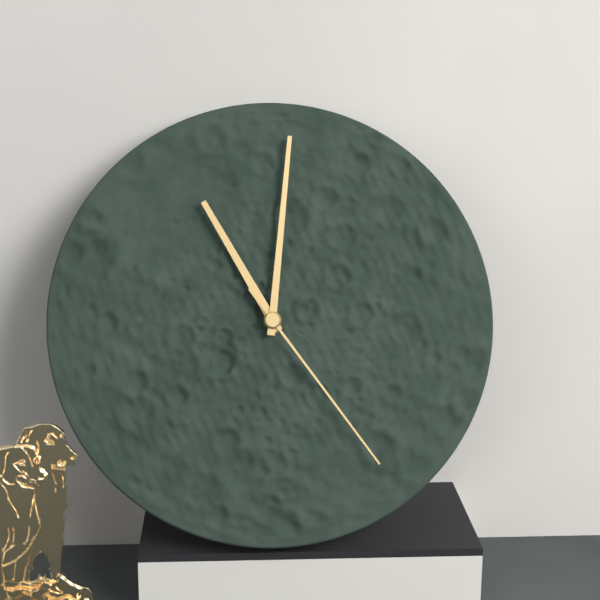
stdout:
11,01,24
